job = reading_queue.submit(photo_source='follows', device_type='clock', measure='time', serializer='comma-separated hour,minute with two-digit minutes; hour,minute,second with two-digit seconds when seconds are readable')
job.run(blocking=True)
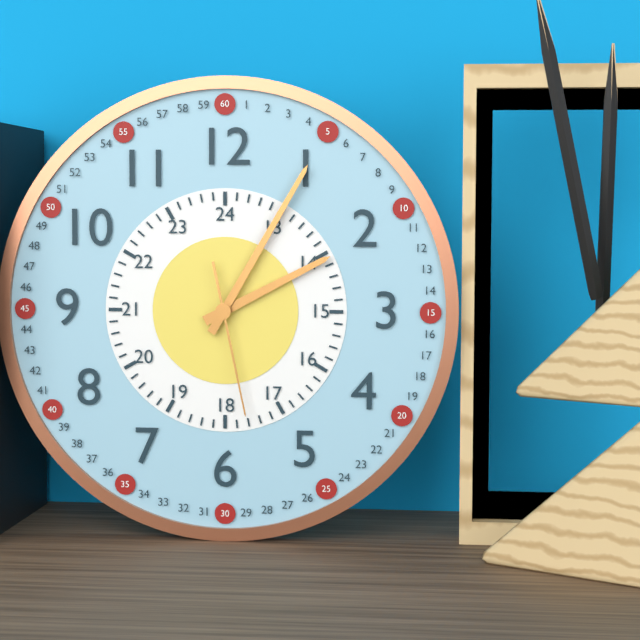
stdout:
2,05,28
